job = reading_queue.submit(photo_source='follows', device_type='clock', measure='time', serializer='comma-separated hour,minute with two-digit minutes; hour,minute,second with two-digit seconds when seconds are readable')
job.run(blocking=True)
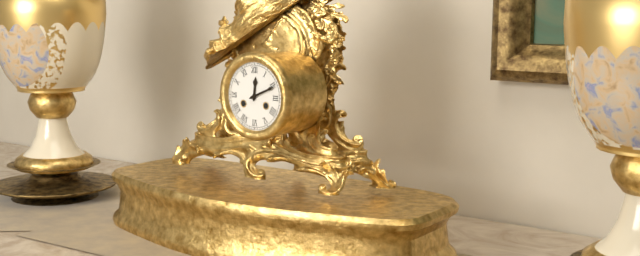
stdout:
12,11
